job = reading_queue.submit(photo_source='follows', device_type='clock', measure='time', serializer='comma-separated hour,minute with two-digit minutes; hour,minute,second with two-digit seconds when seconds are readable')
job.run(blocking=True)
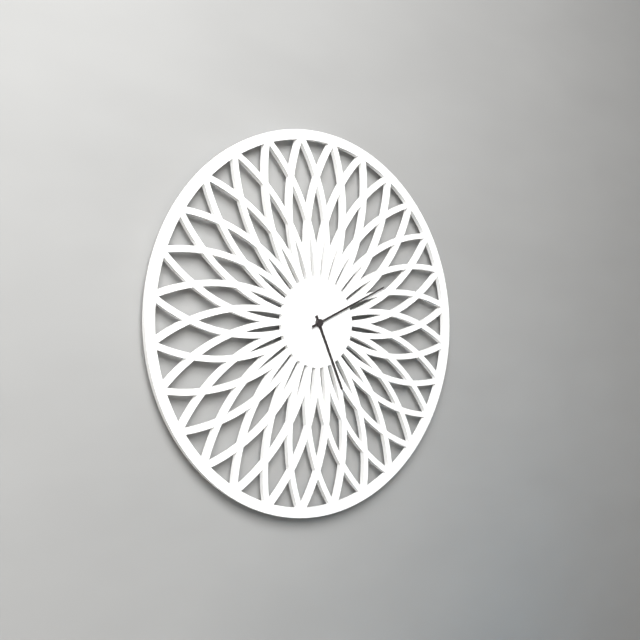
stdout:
5,11
